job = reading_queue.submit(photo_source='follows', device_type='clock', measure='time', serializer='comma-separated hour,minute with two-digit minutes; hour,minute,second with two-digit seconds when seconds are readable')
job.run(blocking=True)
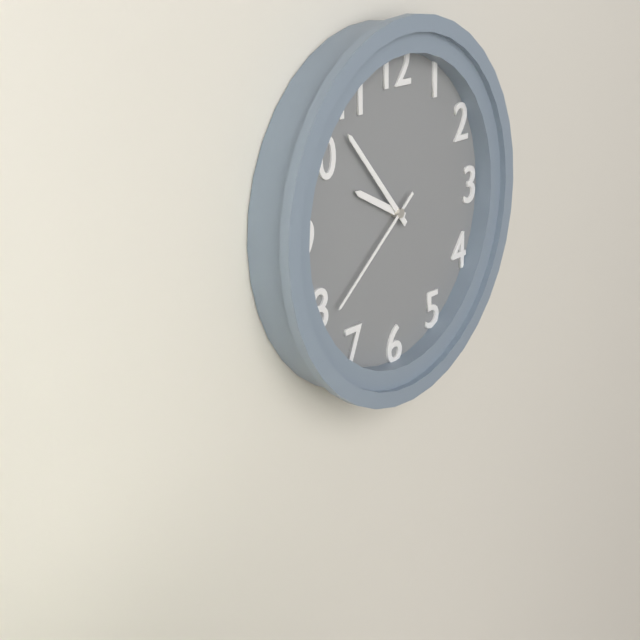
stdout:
9,53,39
